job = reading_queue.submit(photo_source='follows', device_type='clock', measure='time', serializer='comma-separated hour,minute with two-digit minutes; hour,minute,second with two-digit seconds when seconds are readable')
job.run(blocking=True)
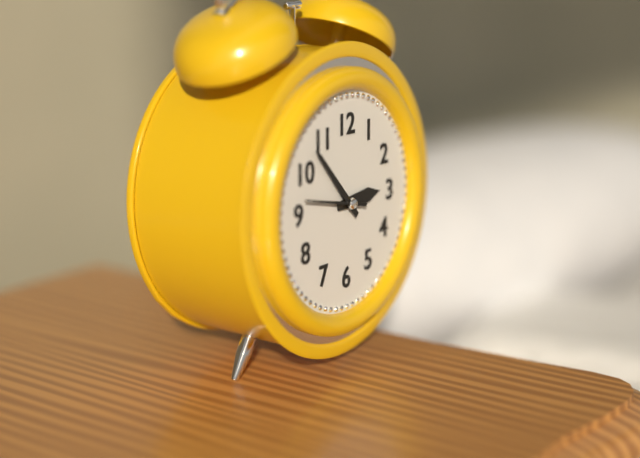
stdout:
2,53,47
